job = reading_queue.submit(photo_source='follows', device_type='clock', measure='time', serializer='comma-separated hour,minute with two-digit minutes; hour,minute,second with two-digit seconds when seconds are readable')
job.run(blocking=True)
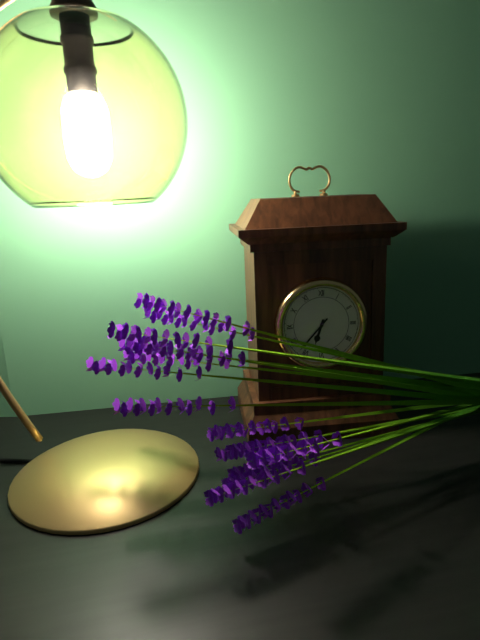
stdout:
6,37
